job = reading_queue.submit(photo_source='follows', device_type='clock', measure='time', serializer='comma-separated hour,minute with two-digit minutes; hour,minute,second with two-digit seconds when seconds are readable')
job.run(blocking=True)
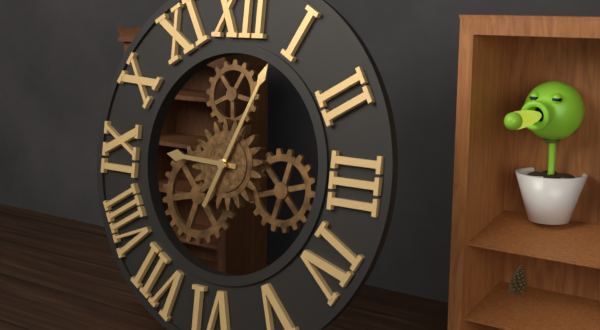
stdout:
9,04
